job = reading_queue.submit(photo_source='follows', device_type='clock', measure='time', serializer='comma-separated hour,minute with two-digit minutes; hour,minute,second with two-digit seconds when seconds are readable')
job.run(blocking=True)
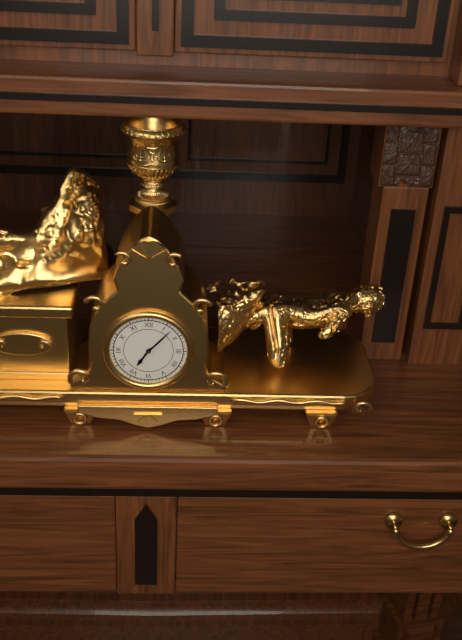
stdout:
7,07
